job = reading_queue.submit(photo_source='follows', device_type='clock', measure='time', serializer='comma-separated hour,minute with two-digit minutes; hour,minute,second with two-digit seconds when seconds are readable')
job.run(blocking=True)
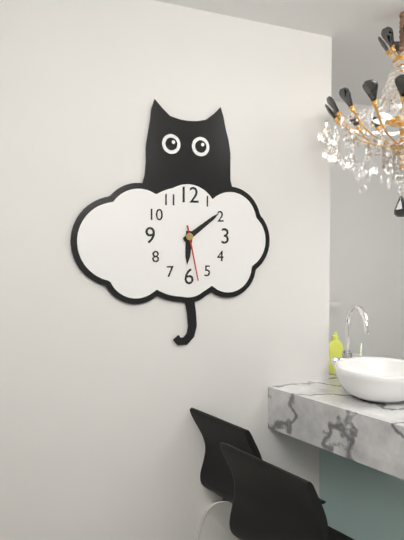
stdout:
6,09,28
